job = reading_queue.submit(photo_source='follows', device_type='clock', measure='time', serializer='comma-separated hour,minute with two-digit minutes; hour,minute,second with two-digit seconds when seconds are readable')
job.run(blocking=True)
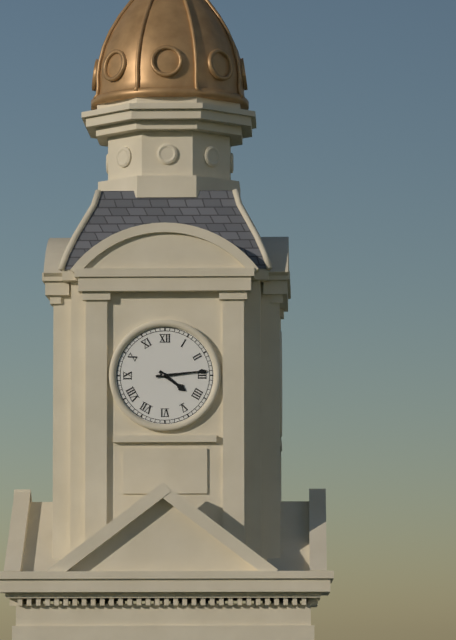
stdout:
4,14
